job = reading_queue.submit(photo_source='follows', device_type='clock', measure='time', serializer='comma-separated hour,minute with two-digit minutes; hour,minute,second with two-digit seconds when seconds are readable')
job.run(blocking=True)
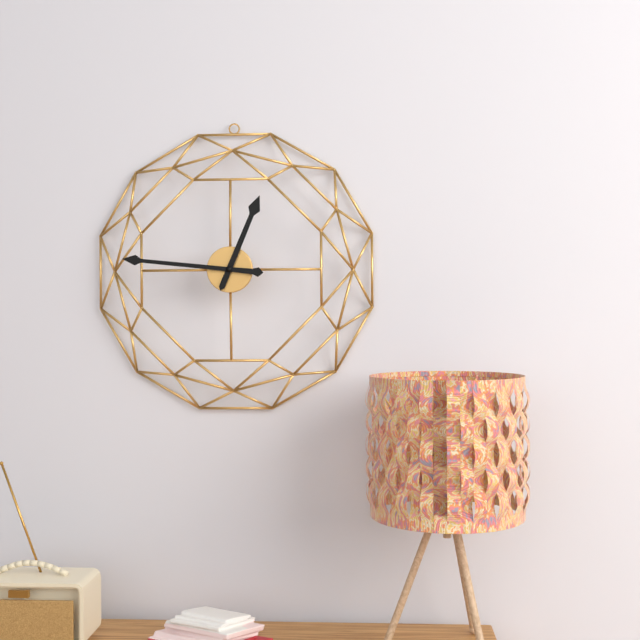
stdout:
12,46
